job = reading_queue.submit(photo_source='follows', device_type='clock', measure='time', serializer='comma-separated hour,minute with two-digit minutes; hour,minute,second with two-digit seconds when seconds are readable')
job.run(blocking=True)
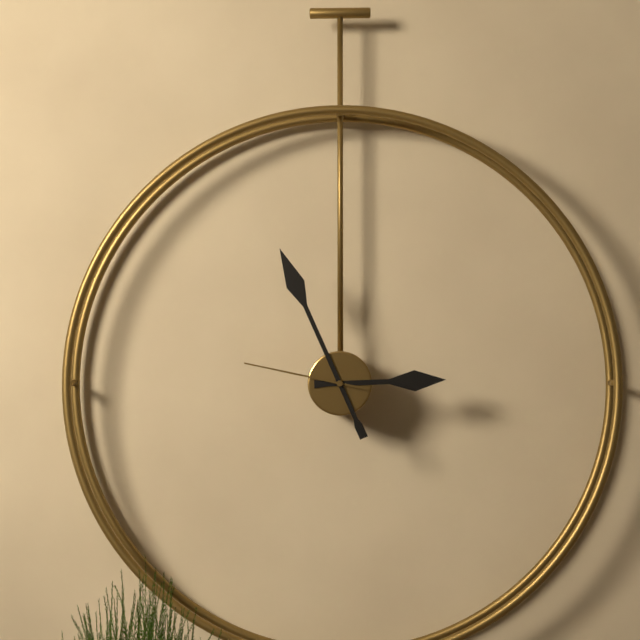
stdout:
2,56,47
